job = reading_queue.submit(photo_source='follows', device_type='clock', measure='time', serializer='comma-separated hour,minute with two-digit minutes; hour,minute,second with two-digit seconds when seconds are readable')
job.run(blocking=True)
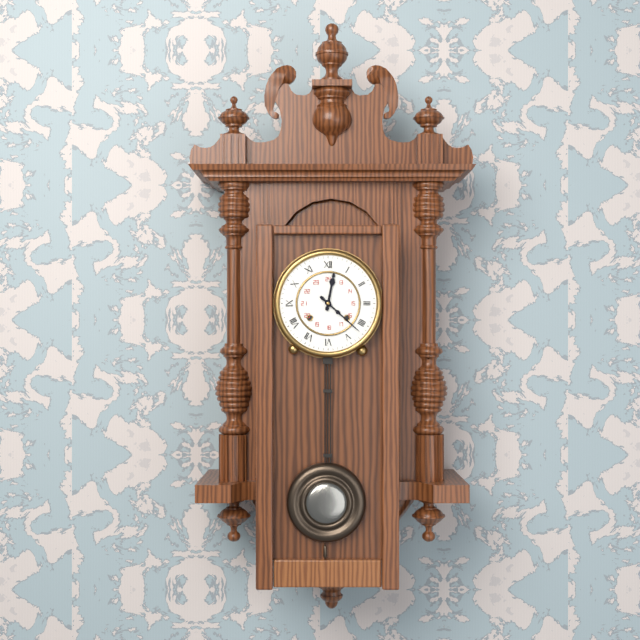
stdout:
12,22
